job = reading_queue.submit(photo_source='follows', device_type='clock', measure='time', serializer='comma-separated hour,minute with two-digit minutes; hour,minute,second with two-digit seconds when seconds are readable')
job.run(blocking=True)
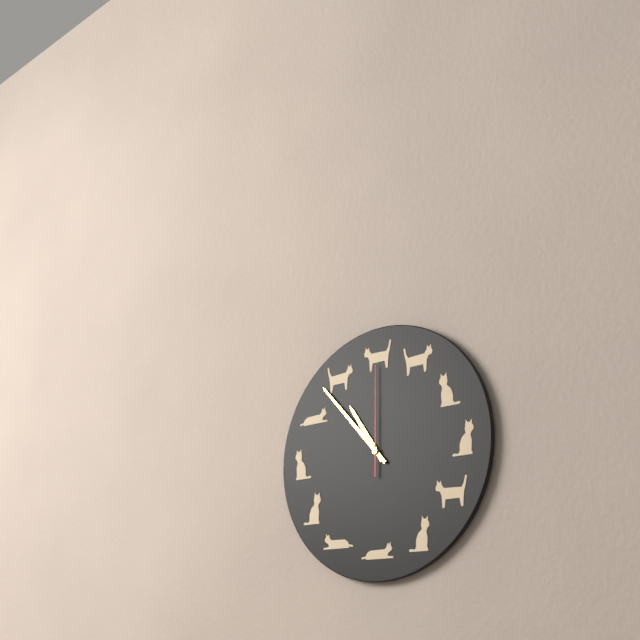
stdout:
10,53,00
